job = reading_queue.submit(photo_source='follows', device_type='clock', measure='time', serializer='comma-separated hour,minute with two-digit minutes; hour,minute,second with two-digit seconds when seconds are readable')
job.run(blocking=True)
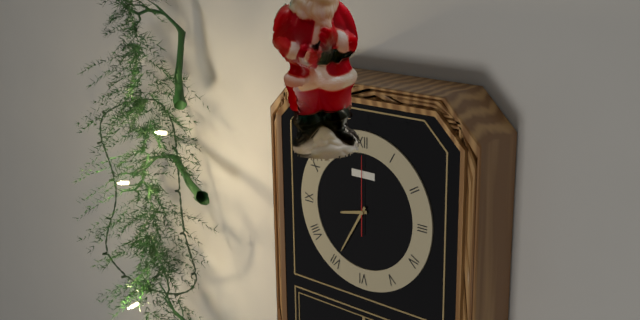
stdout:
8,35,00
